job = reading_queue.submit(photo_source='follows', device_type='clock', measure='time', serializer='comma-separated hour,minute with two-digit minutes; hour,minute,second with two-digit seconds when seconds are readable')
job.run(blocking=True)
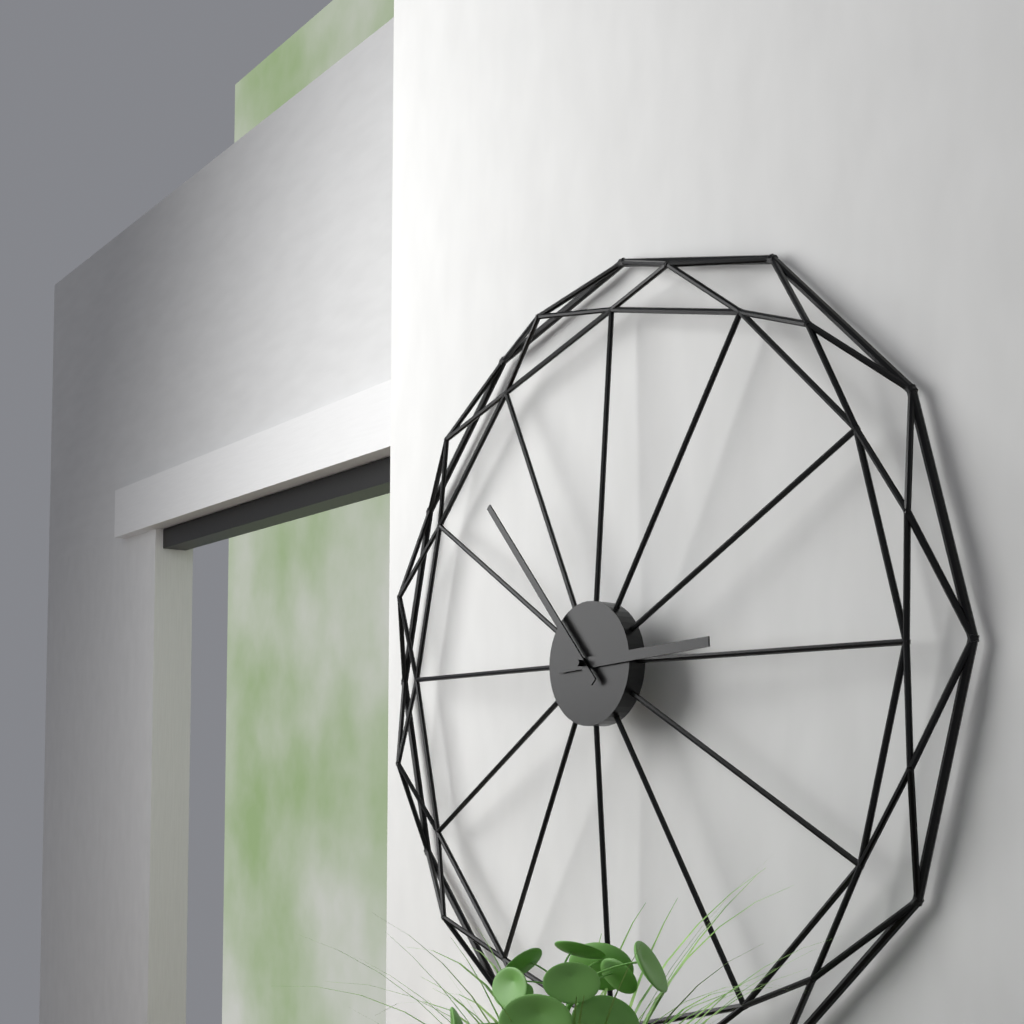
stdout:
2,53
